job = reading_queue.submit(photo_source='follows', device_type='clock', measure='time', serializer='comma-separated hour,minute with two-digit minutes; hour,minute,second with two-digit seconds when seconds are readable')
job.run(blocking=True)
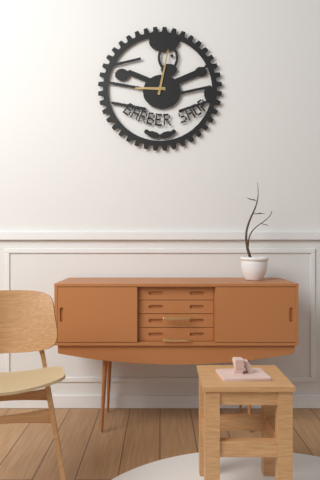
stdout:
9,02
